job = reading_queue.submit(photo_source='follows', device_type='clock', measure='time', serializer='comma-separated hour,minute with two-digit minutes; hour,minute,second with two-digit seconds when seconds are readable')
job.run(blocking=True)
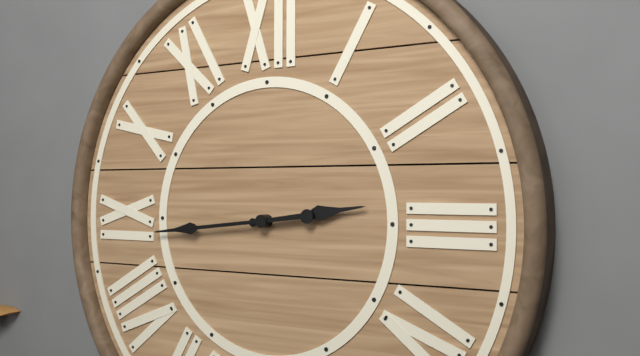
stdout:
2,44
